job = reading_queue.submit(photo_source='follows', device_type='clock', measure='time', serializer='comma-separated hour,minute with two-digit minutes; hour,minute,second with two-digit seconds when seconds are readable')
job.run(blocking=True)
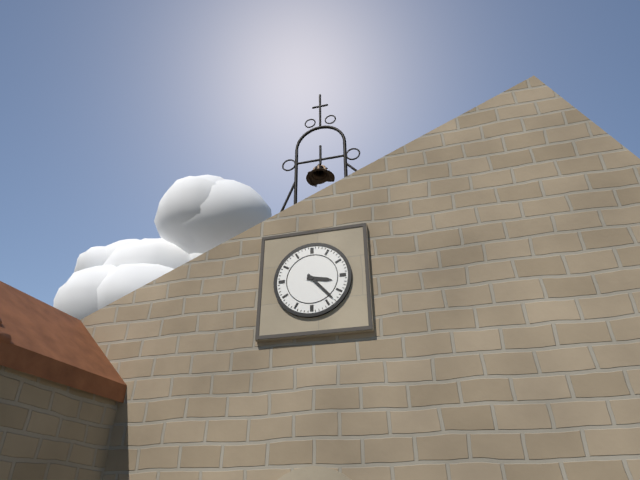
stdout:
3,23
